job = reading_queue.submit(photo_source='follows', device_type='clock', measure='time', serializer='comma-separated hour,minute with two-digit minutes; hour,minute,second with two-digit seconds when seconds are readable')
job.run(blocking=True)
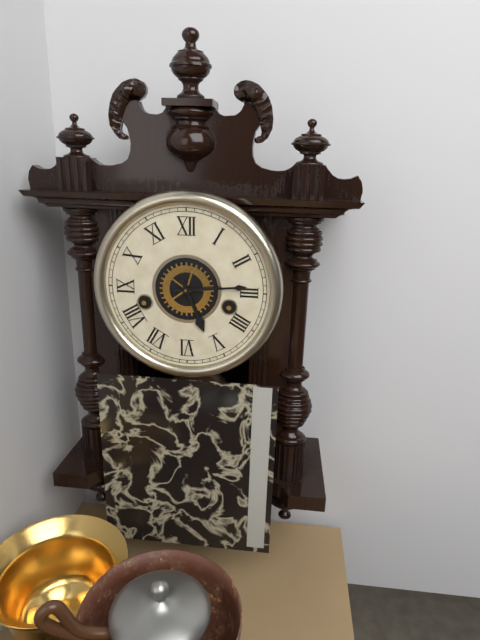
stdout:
5,14
